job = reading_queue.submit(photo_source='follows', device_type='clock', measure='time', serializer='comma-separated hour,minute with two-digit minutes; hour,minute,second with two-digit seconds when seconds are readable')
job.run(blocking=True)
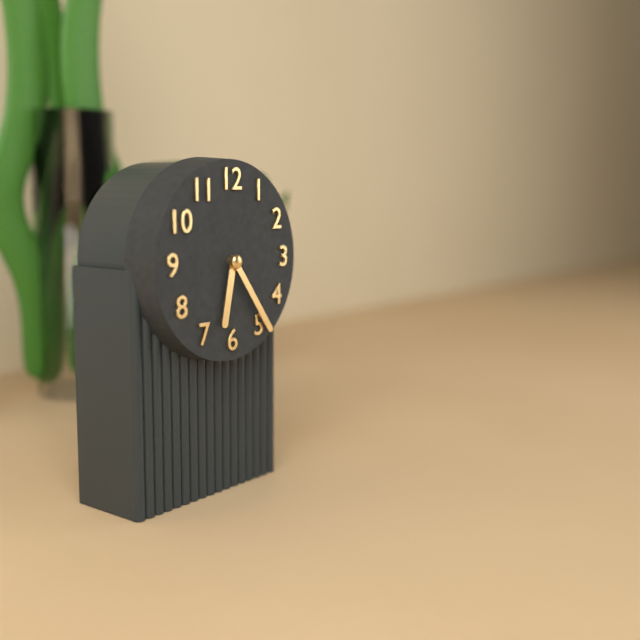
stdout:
6,24
